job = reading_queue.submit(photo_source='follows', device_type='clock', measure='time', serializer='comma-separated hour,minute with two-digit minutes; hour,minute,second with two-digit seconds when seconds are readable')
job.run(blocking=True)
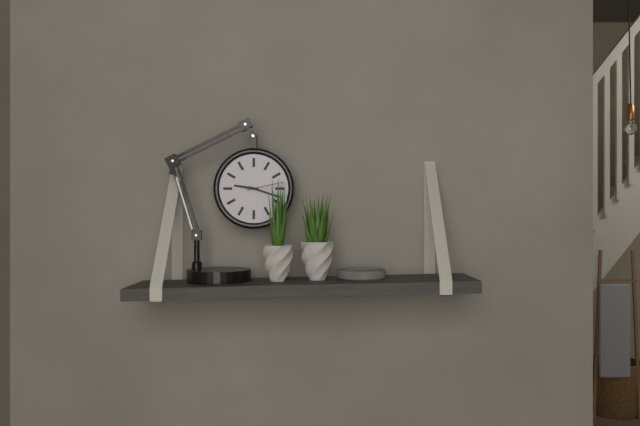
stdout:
9,18
